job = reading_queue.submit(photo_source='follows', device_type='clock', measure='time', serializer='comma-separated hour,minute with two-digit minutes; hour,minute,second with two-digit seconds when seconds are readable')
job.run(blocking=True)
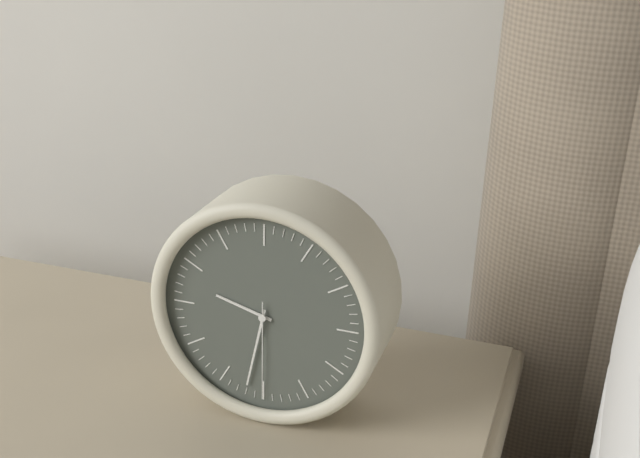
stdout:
9,32,30
